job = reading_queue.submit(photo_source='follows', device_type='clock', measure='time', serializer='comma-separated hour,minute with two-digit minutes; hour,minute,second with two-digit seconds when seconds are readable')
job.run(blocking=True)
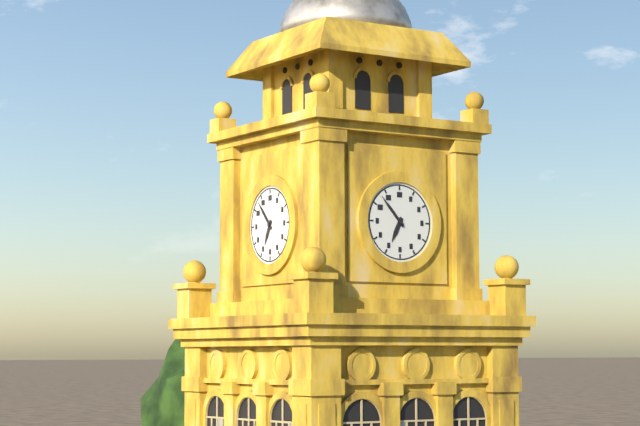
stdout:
6,53
